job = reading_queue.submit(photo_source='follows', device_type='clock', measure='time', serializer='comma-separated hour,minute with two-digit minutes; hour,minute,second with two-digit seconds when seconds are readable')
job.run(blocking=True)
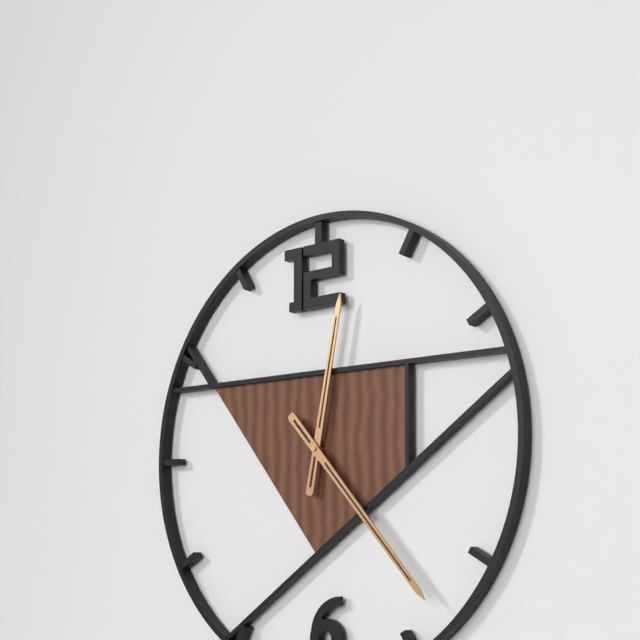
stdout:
12,23
